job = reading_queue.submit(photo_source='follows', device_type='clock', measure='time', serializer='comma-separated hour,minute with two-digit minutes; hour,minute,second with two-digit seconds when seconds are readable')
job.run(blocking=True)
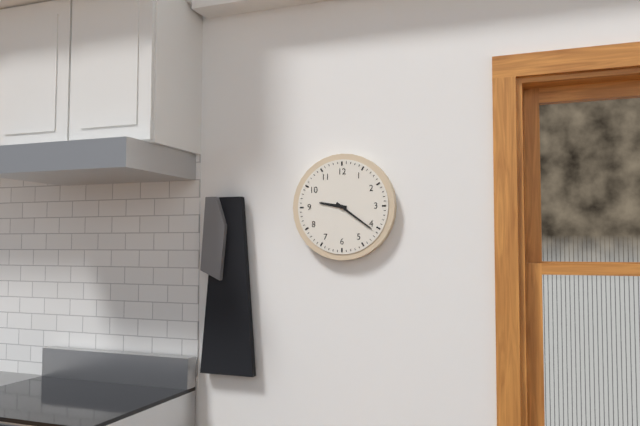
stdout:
9,21
